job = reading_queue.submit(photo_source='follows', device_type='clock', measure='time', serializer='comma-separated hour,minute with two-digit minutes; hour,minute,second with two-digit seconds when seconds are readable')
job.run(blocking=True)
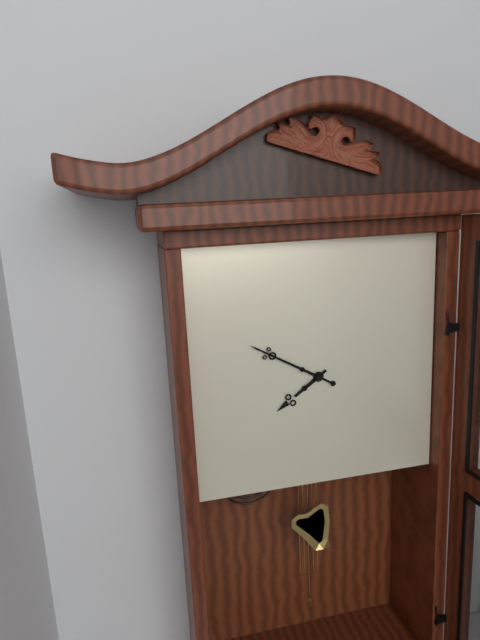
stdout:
7,50
